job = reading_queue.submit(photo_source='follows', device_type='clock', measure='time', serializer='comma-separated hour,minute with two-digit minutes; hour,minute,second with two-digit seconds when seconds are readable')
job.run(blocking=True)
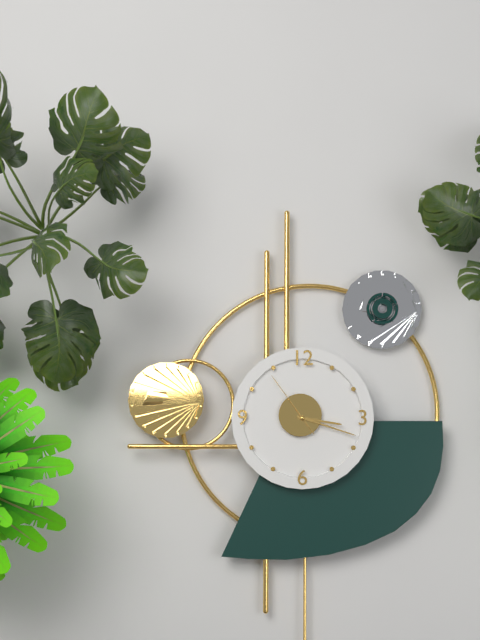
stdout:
3,18,54
